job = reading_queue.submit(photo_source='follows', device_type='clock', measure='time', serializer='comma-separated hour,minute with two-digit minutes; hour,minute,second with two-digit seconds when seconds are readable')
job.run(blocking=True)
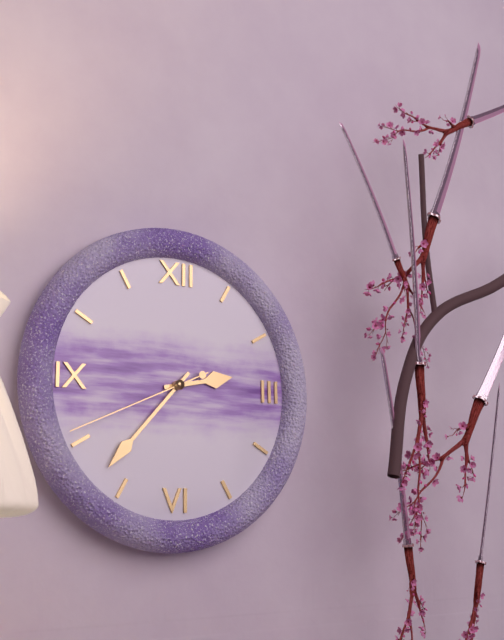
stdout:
2,37,41
